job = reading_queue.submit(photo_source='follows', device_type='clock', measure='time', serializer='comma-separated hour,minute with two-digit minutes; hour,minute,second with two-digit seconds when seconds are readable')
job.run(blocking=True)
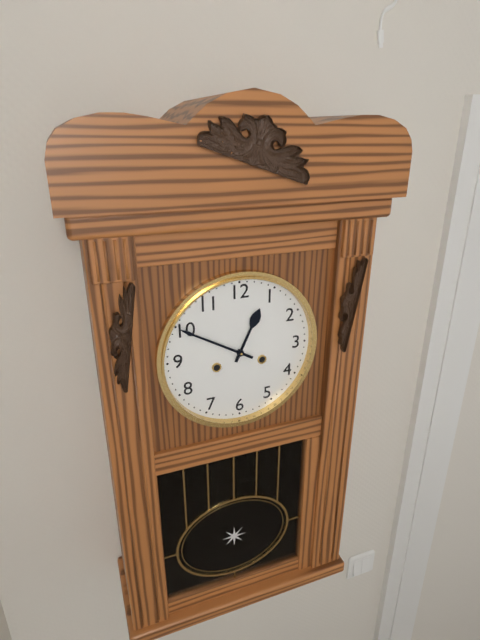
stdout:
12,50
